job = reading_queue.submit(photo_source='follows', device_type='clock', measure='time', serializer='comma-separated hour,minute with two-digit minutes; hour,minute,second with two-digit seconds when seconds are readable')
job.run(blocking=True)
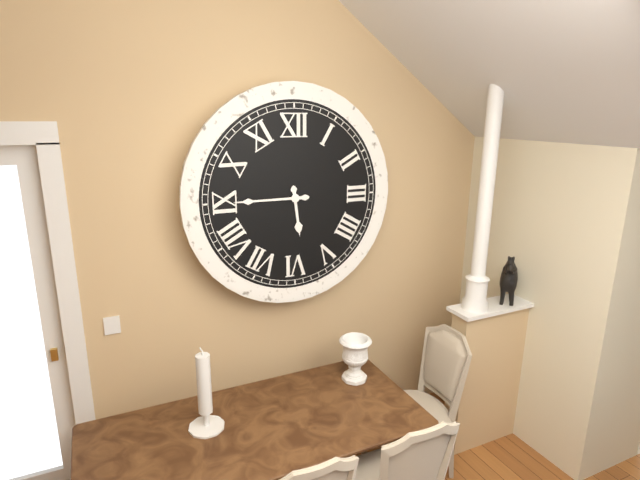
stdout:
5,45
